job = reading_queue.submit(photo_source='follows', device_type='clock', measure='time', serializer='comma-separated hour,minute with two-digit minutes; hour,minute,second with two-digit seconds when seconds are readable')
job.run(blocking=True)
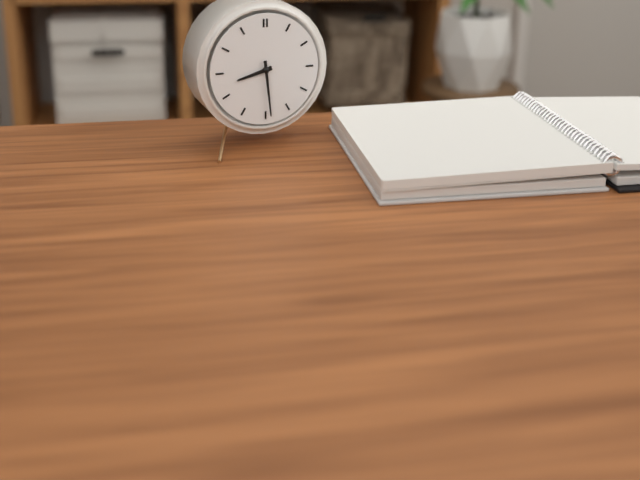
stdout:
8,29
